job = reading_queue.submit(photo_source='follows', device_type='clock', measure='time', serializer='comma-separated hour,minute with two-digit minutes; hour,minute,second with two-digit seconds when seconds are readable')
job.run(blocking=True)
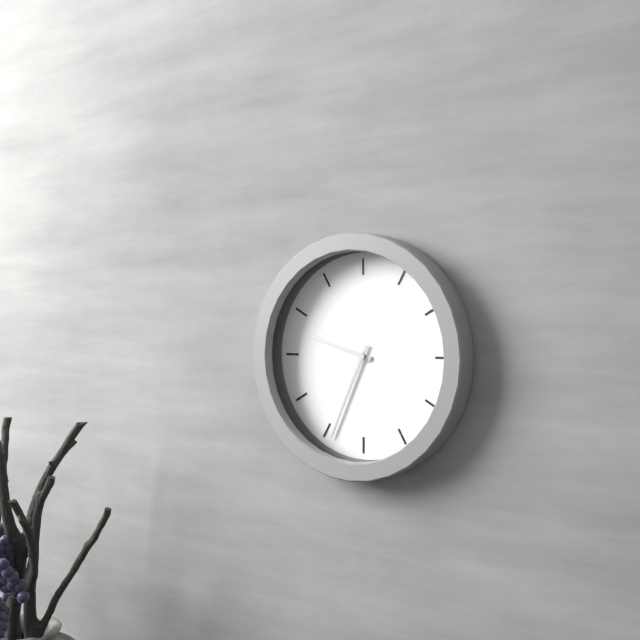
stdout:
9,34
